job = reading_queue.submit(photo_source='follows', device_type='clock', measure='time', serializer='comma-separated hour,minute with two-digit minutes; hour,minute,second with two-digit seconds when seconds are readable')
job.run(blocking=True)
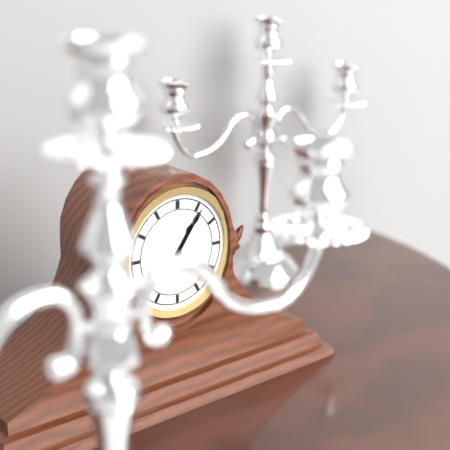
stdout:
1,06
